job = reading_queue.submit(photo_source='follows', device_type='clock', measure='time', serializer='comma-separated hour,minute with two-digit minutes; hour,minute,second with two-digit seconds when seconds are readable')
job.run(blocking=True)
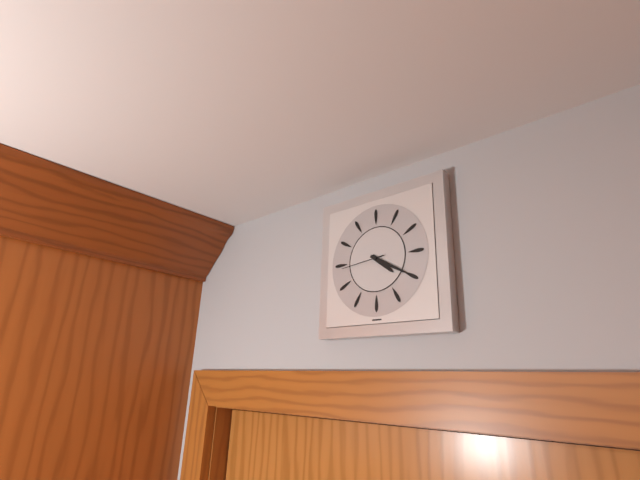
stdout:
4,20
